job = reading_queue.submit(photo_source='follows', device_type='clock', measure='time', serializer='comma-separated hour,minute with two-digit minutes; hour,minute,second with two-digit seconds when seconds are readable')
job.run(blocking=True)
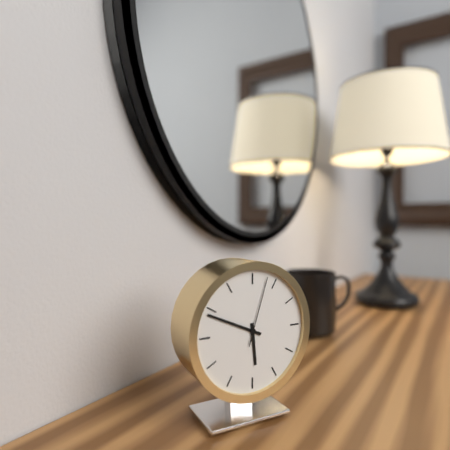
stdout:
5,49,03
